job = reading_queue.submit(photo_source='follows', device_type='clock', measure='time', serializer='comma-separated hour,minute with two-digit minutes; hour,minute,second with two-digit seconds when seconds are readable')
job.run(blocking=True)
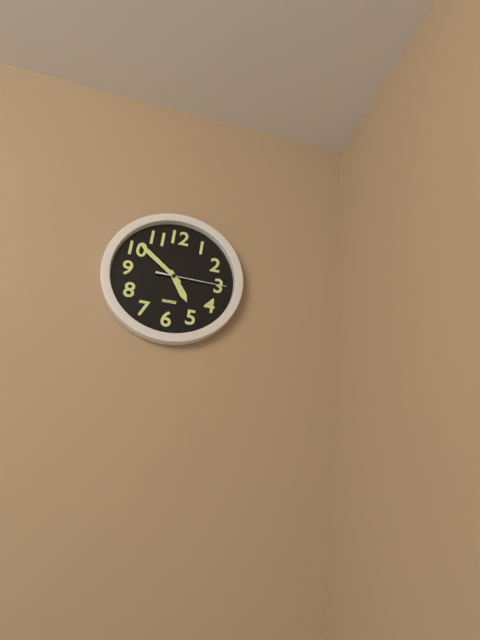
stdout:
4,51,15
